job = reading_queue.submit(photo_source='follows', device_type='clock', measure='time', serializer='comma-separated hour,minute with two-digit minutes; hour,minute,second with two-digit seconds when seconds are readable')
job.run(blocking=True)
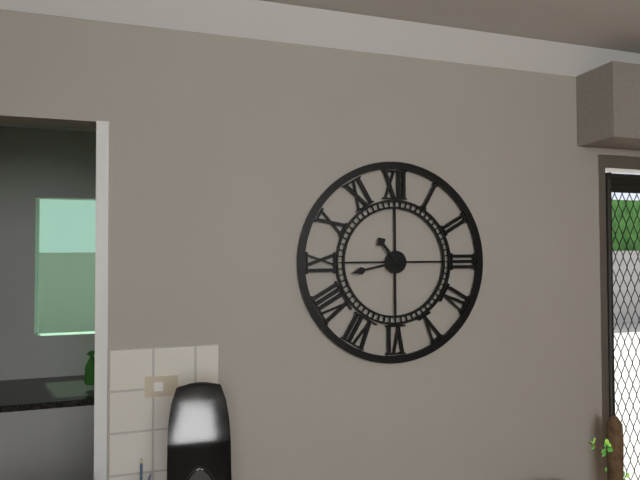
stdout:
10,43
